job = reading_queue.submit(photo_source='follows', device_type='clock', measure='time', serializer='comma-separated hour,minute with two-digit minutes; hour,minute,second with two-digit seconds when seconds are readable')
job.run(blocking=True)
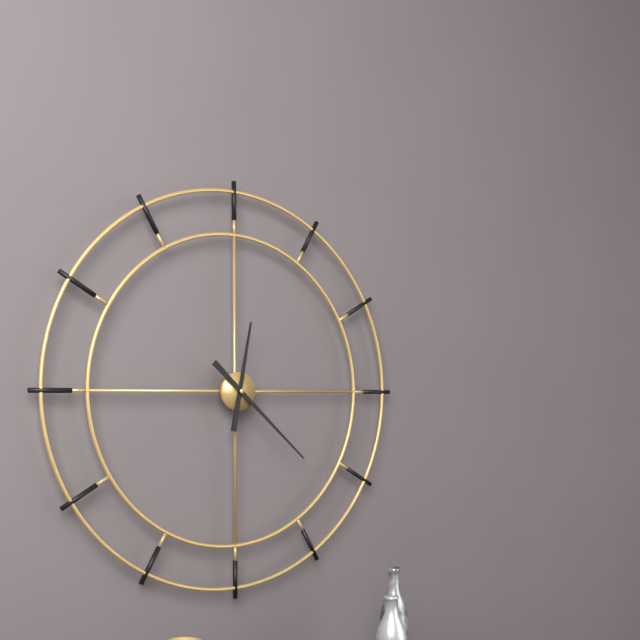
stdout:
12,22
